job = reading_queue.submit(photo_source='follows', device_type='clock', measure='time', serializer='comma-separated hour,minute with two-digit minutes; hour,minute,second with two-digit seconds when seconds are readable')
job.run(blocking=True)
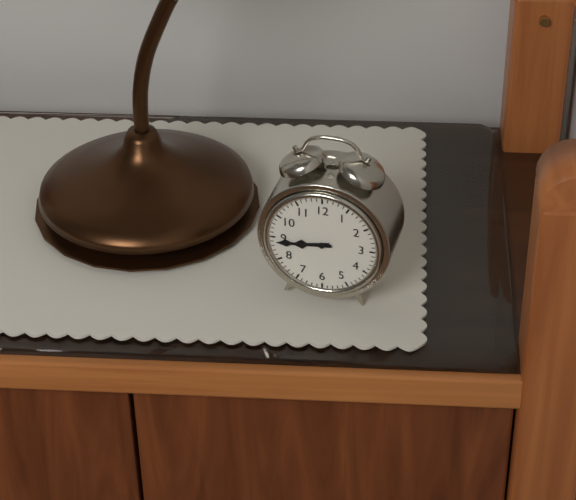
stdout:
8,44
